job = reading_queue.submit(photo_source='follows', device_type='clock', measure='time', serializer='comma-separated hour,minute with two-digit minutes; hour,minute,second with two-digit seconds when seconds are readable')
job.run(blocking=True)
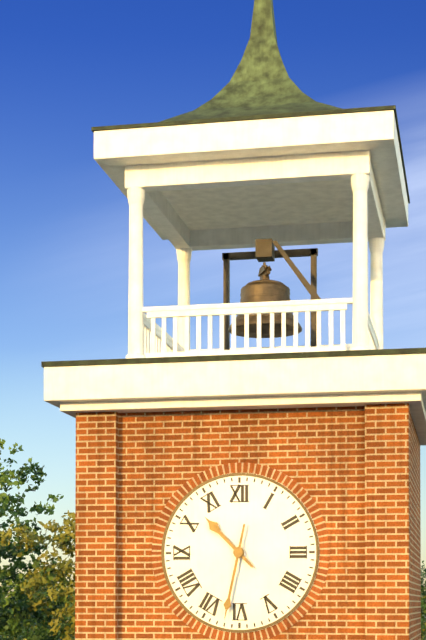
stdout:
10,32
